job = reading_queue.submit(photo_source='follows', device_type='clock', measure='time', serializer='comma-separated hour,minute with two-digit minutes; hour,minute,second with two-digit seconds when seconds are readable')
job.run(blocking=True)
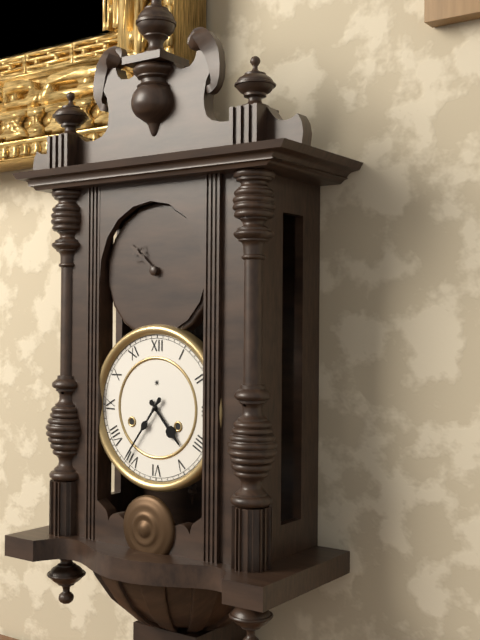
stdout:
4,36
